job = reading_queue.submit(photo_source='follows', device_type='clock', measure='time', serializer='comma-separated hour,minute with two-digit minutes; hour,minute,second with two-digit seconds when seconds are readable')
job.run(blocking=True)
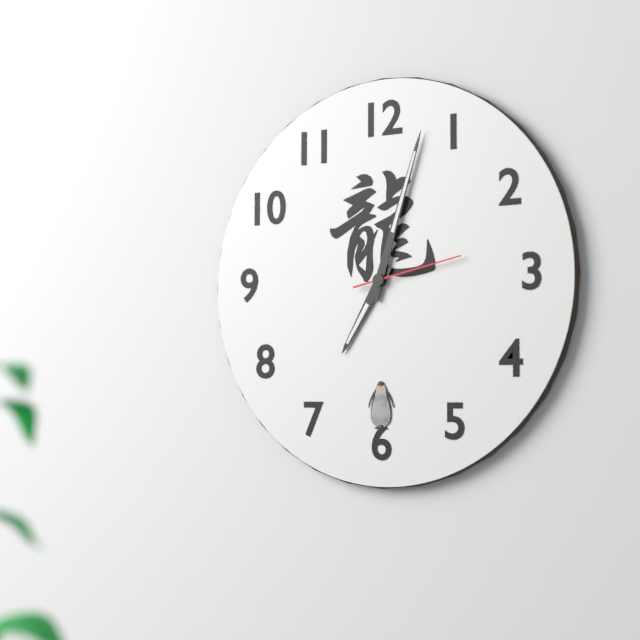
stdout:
7,03,13
